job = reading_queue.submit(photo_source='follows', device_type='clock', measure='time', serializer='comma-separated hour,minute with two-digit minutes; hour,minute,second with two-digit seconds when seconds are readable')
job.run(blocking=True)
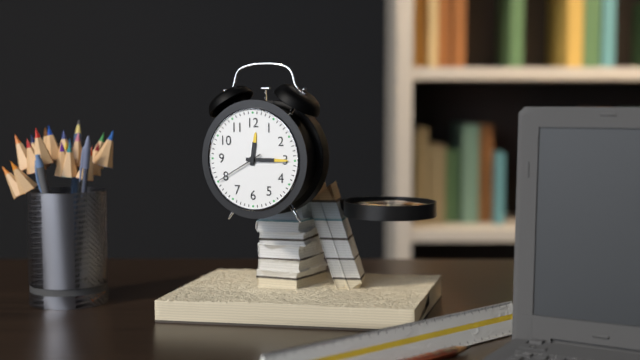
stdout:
12,15
